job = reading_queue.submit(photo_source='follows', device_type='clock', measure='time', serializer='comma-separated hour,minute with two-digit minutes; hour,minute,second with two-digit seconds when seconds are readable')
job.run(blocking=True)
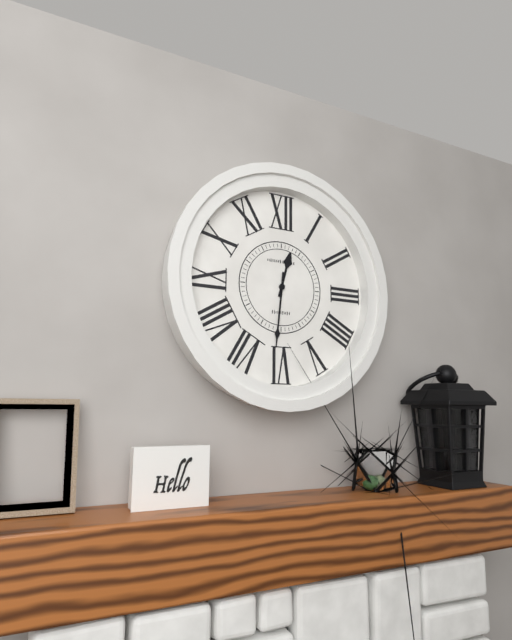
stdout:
12,31
